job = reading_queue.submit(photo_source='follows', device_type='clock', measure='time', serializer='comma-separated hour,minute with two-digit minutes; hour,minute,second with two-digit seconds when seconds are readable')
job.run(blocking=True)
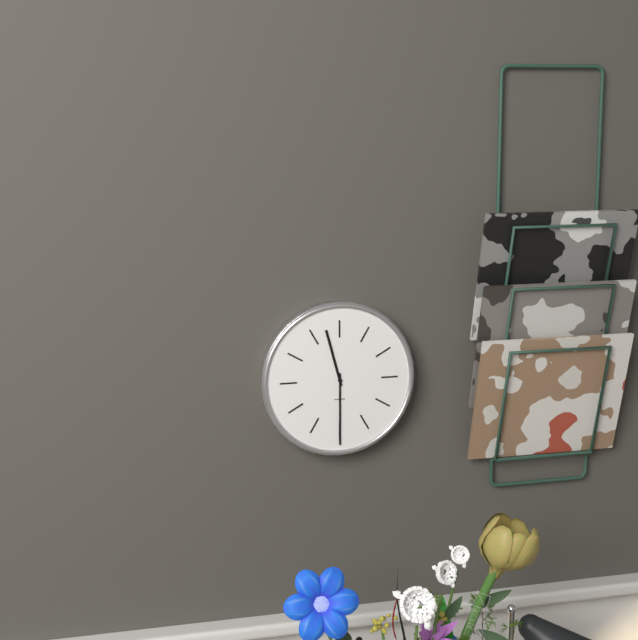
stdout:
11,30
